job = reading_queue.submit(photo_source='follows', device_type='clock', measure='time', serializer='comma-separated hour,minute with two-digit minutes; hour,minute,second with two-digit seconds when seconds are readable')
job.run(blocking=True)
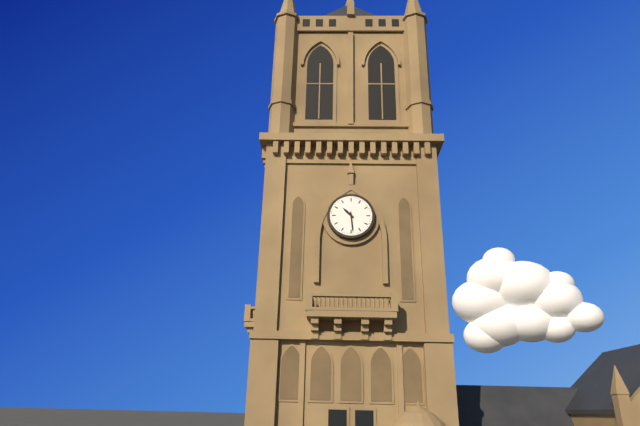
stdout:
10,29
